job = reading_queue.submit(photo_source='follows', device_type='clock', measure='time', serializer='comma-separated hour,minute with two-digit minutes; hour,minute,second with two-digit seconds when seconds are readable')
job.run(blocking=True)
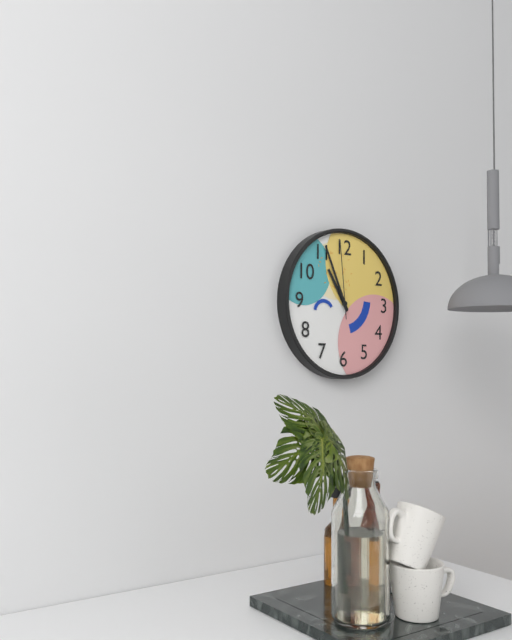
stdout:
10,56,59
